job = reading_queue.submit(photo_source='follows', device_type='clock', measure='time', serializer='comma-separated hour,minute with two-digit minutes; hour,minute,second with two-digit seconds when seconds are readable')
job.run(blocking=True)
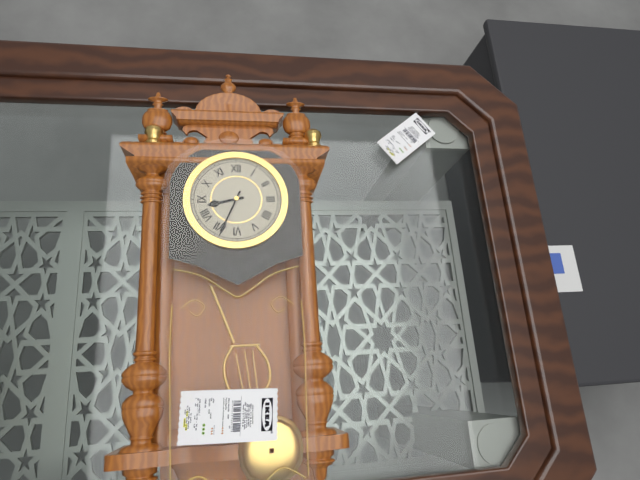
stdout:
8,34
